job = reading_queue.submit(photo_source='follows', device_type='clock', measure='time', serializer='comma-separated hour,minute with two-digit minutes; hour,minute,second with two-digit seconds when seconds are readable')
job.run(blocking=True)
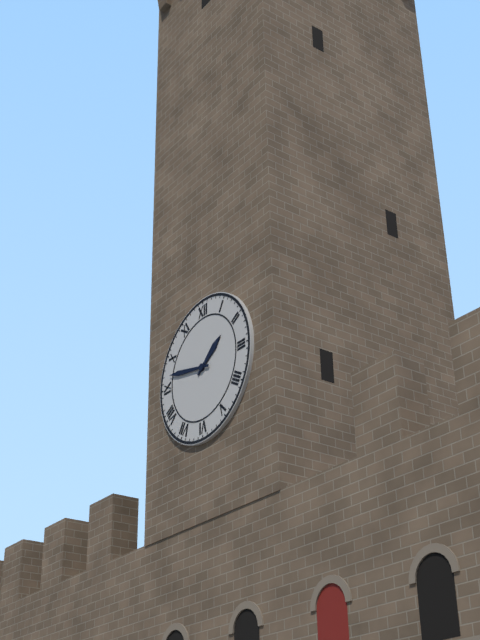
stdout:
1,47
